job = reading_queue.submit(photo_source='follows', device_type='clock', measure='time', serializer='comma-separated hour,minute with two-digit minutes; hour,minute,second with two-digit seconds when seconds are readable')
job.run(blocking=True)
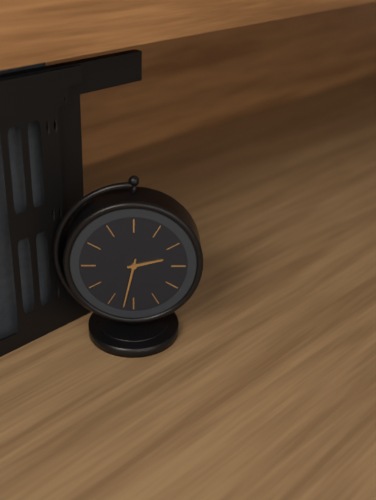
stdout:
2,32
